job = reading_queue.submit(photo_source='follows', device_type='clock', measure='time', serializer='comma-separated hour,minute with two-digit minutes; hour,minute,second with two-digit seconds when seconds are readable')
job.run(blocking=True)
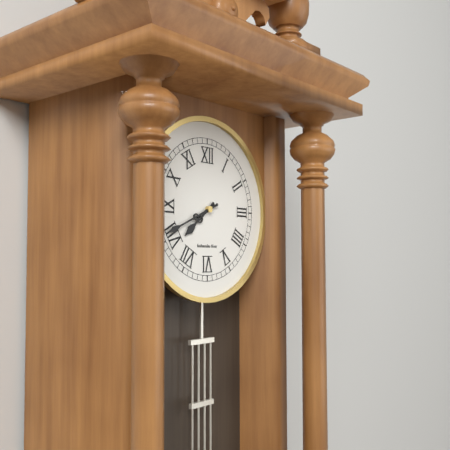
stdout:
7,41
